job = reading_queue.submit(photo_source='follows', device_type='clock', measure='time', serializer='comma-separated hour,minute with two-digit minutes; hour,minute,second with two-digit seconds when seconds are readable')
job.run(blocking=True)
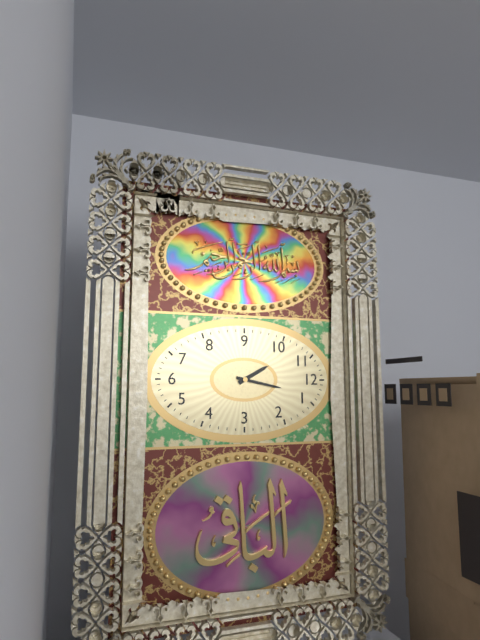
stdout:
11,02
